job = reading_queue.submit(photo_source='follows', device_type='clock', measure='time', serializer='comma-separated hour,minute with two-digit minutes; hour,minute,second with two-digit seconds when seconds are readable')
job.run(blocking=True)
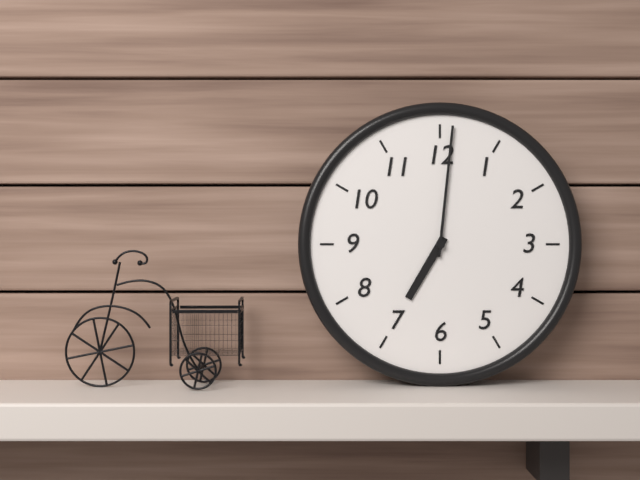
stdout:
7,01
